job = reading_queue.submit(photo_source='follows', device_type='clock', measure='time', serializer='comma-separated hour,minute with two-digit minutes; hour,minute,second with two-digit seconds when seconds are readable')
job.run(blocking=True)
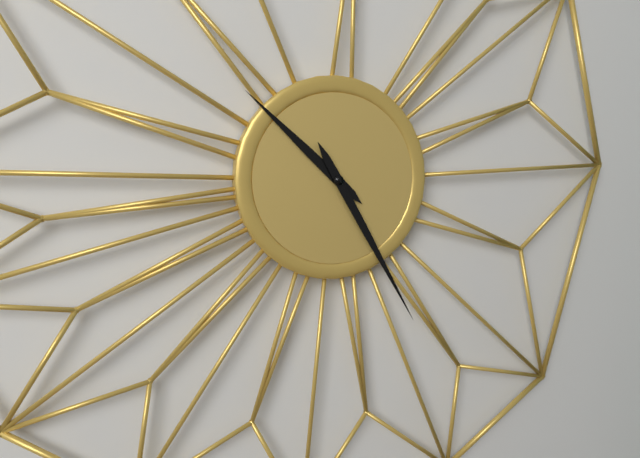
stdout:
10,25
